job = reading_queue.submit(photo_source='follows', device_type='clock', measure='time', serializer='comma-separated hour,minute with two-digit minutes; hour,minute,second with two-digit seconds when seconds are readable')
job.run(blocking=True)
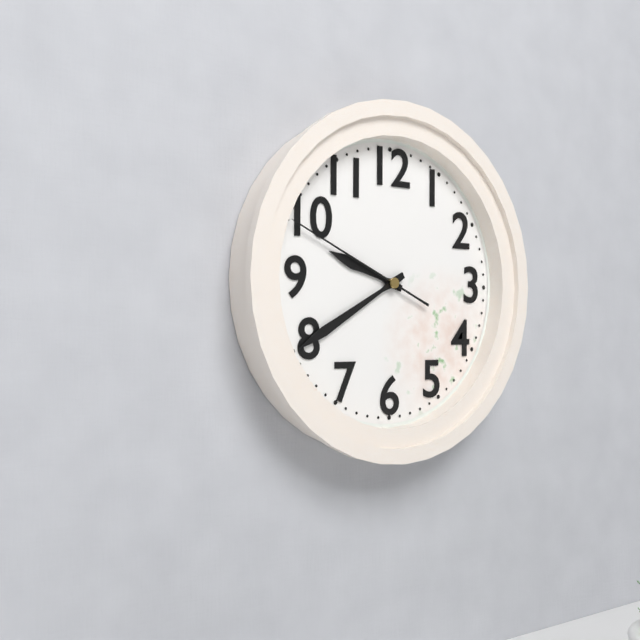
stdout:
9,40,49
